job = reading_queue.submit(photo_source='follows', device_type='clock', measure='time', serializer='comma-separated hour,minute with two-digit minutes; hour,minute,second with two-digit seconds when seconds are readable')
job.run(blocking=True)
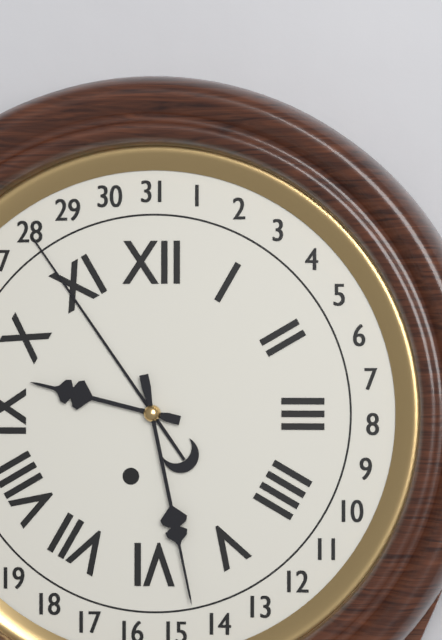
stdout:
9,28
